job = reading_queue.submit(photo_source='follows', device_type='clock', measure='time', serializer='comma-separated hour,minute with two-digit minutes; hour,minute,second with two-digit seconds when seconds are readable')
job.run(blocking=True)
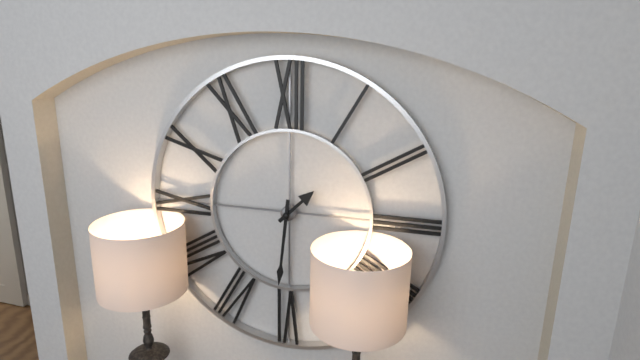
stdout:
1,31
